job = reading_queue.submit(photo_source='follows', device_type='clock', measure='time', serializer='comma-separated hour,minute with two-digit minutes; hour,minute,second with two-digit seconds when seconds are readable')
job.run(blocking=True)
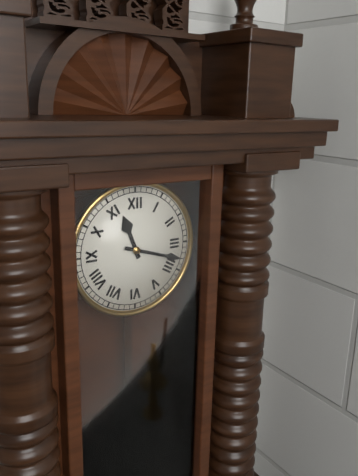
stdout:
11,18
